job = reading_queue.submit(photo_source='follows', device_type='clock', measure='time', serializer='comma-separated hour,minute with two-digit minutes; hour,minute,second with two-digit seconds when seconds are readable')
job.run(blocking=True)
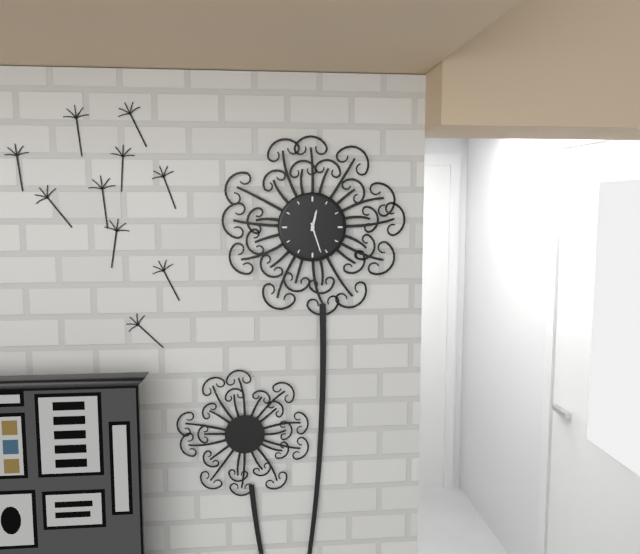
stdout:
12,27
